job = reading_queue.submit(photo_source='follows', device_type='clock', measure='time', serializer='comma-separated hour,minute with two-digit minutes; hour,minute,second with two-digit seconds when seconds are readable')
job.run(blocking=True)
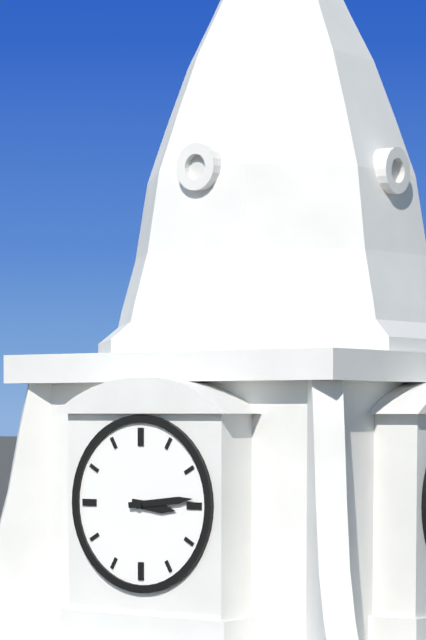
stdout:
3,14
